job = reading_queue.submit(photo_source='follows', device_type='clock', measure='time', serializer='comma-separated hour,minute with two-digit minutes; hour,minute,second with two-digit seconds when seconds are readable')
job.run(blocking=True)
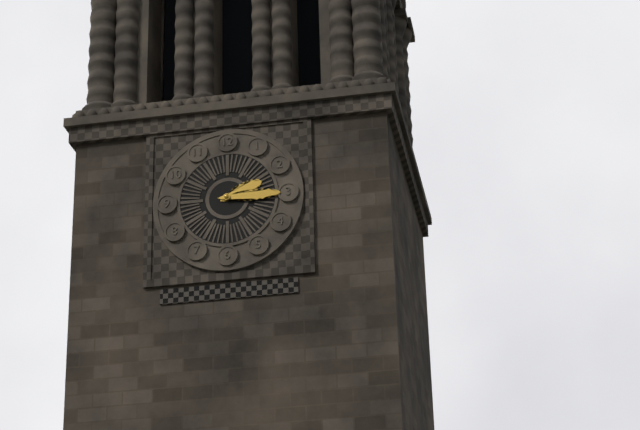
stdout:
2,15
